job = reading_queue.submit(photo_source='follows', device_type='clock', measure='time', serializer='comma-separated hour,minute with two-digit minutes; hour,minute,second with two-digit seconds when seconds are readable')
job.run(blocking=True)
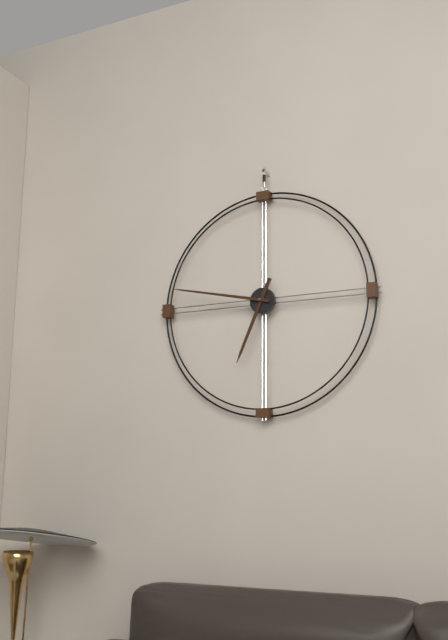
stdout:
6,47
